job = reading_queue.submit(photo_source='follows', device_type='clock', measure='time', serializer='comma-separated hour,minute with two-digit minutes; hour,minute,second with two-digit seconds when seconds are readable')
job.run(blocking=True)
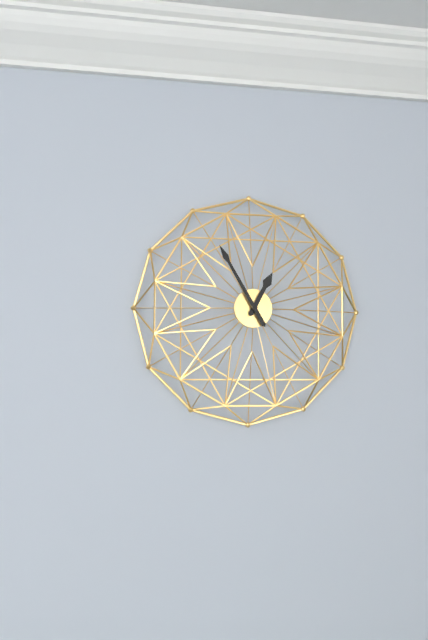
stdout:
12,55
